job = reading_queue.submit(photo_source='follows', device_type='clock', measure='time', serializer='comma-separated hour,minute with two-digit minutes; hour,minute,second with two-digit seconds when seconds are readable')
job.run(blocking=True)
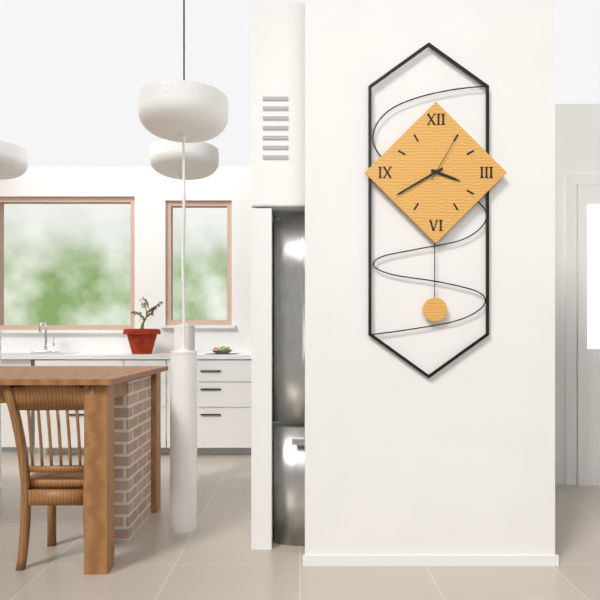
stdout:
3,40,05
